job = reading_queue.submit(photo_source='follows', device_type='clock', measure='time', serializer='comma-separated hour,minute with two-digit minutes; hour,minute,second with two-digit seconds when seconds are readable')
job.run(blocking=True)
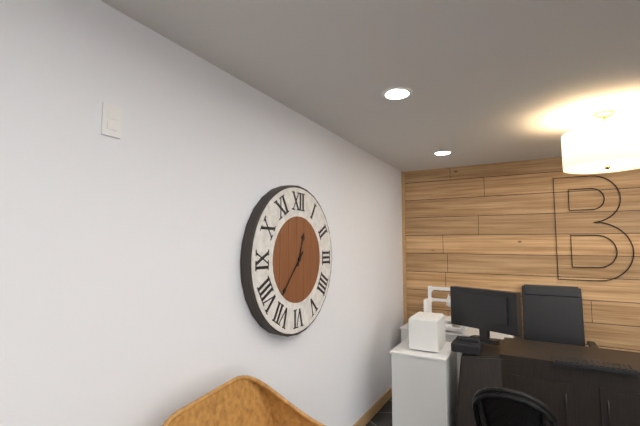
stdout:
12,37
